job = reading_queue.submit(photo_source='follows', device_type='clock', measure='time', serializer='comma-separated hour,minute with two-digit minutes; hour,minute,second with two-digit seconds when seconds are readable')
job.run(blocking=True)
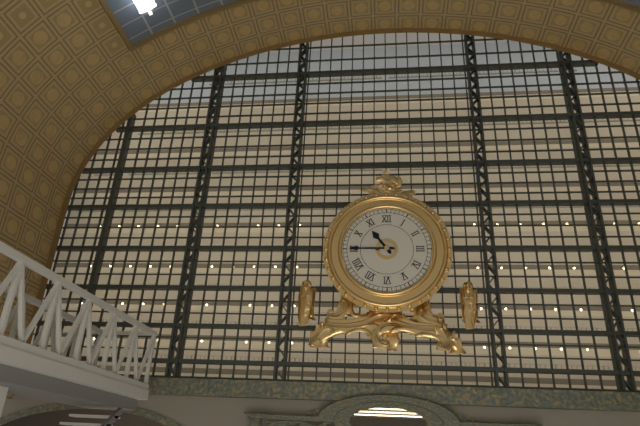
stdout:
10,45
